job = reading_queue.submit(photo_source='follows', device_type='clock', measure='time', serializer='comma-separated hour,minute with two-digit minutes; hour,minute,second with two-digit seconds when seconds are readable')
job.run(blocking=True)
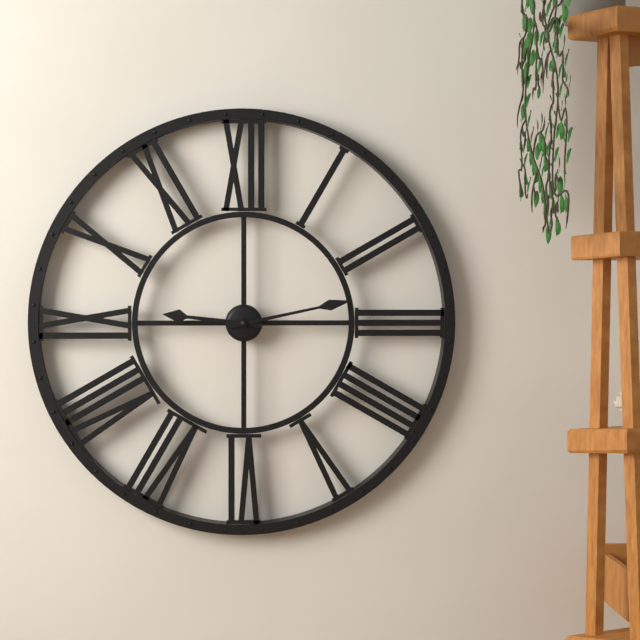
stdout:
9,13
